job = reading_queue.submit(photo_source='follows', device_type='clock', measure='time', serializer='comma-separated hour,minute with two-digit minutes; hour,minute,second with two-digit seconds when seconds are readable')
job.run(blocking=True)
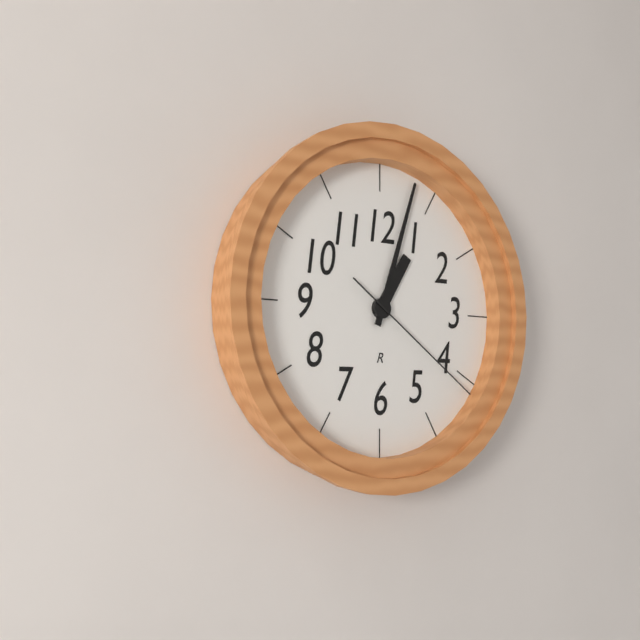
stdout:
1,03,21
